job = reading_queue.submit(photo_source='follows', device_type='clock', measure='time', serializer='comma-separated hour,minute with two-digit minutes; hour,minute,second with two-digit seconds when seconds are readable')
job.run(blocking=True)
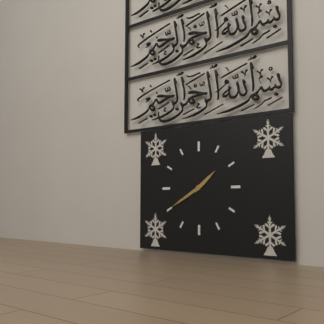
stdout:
1,40
